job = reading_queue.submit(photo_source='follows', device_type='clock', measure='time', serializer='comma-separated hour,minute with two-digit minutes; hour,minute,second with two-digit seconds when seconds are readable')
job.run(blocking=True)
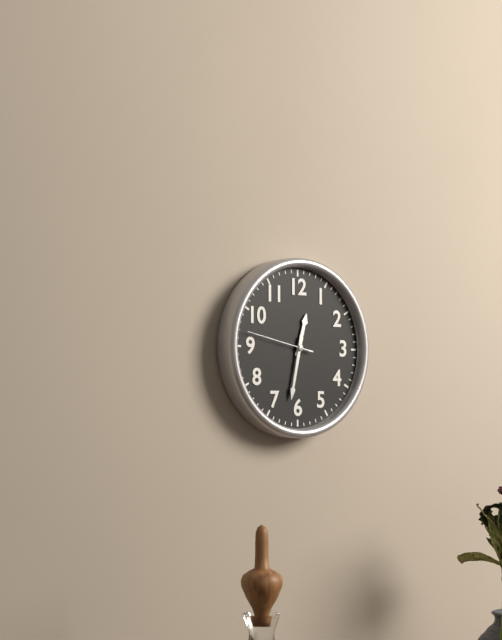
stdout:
12,32,47
